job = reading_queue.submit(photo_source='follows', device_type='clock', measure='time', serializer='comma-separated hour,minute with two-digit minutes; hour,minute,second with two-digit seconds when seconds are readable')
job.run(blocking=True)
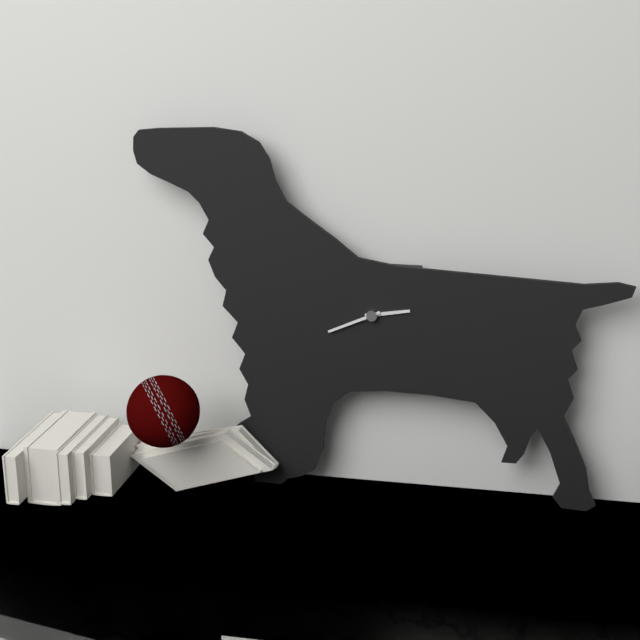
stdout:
2,41
